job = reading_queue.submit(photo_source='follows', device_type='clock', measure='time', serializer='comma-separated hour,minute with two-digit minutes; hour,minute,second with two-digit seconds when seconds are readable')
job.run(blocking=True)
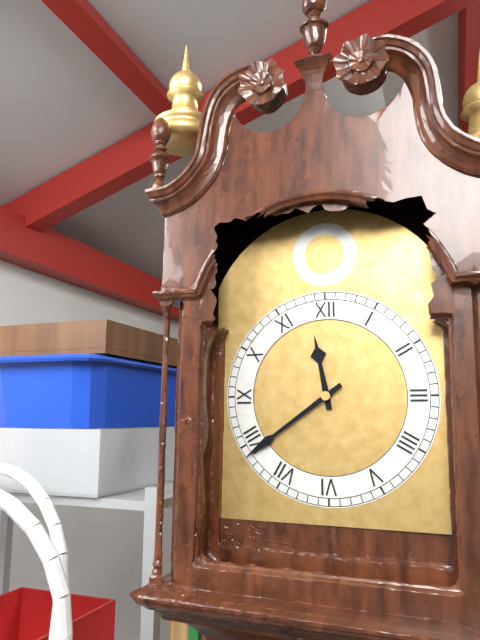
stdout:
11,39
